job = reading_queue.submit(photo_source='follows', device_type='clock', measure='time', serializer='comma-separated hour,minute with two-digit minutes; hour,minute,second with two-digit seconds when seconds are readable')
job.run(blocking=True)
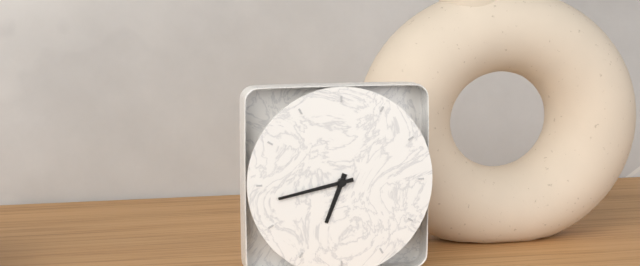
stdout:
6,43
